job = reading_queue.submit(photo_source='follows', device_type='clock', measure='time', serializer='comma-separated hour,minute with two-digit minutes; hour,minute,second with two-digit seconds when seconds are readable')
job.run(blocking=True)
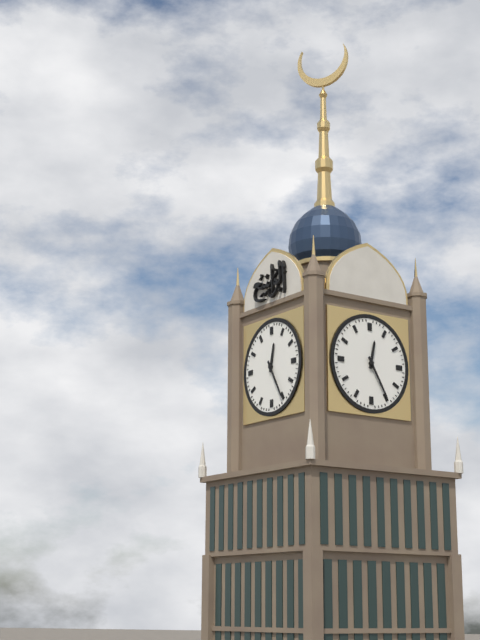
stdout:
12,25
